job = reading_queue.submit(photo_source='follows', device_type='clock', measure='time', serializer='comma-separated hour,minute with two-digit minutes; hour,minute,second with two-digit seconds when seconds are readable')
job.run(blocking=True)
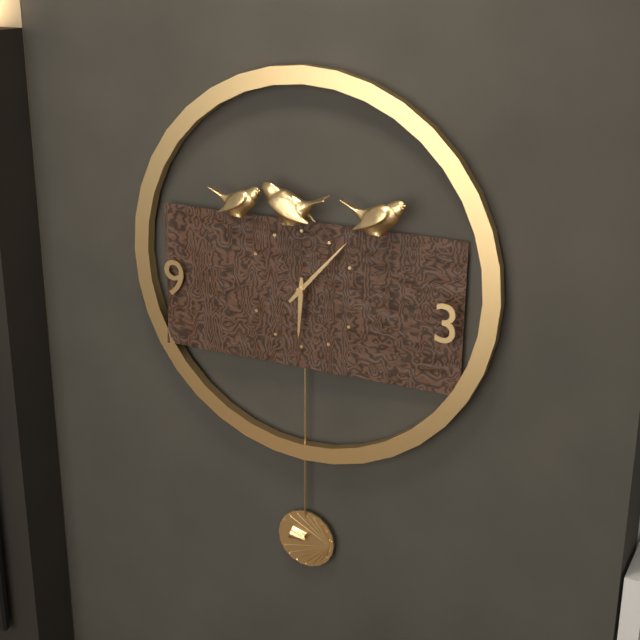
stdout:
6,07
